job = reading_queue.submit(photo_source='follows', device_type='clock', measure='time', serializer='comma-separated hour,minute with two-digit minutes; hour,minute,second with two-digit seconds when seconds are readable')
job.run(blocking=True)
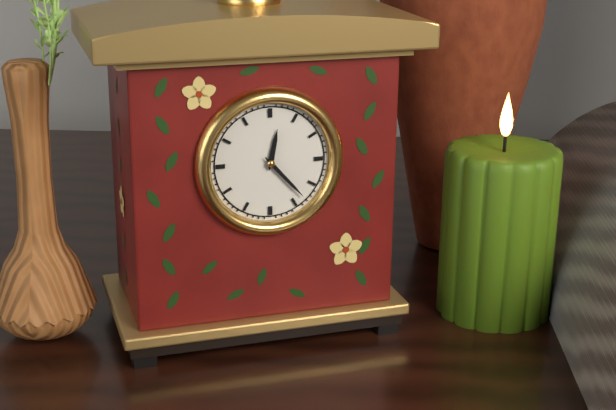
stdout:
12,23
